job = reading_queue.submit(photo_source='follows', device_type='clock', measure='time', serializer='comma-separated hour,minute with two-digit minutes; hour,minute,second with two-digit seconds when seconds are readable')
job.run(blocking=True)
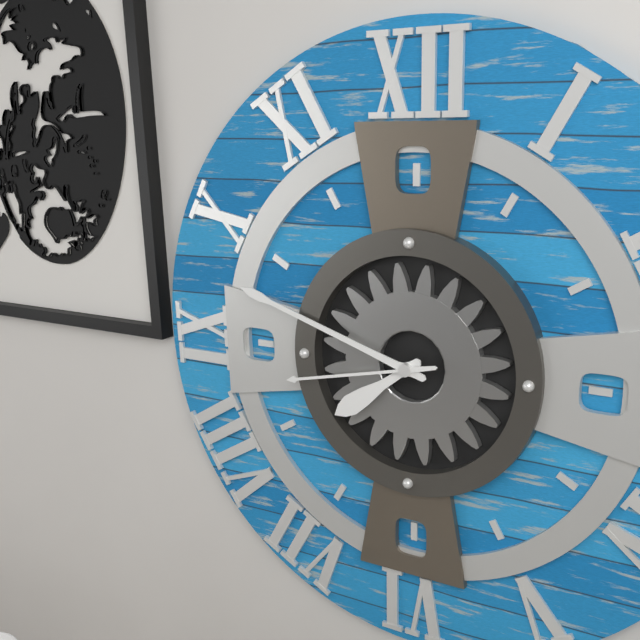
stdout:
7,48,43
